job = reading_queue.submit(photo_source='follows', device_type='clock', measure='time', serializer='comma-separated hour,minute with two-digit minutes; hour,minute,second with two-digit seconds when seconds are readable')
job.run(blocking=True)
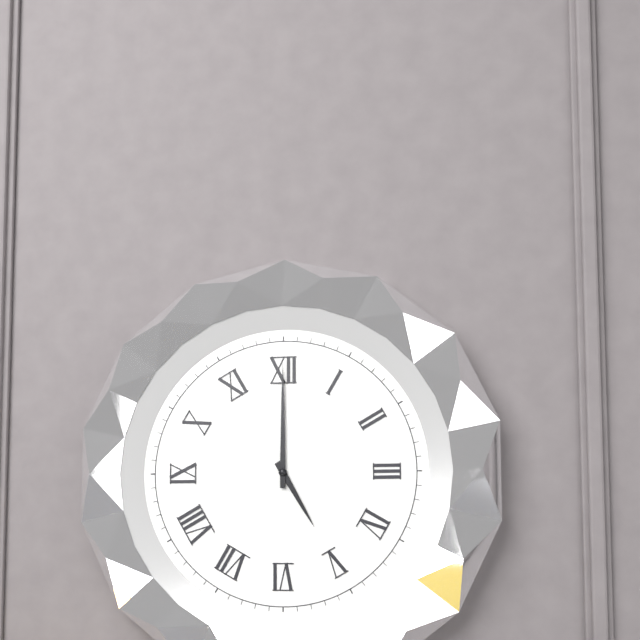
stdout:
5,00
